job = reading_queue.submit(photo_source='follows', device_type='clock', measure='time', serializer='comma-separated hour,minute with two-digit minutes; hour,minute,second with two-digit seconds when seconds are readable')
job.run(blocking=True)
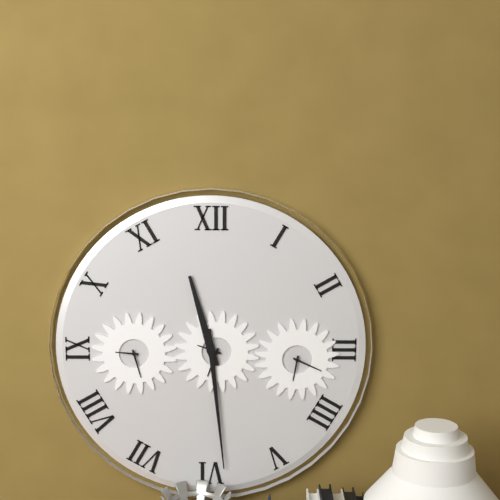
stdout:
11,29
